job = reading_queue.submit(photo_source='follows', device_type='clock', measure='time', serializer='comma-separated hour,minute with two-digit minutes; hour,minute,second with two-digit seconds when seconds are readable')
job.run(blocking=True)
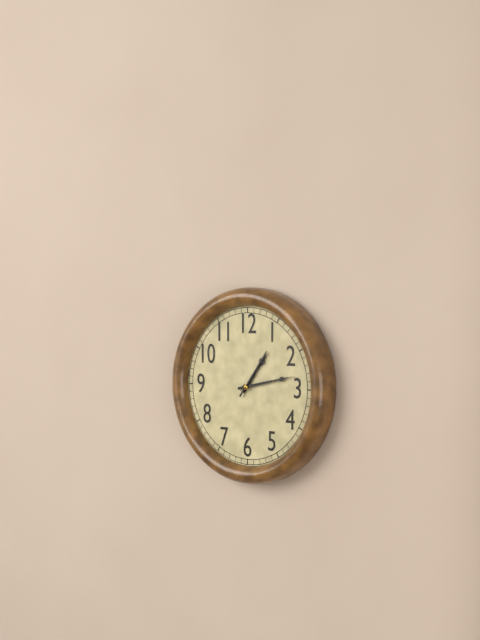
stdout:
1,13,06
